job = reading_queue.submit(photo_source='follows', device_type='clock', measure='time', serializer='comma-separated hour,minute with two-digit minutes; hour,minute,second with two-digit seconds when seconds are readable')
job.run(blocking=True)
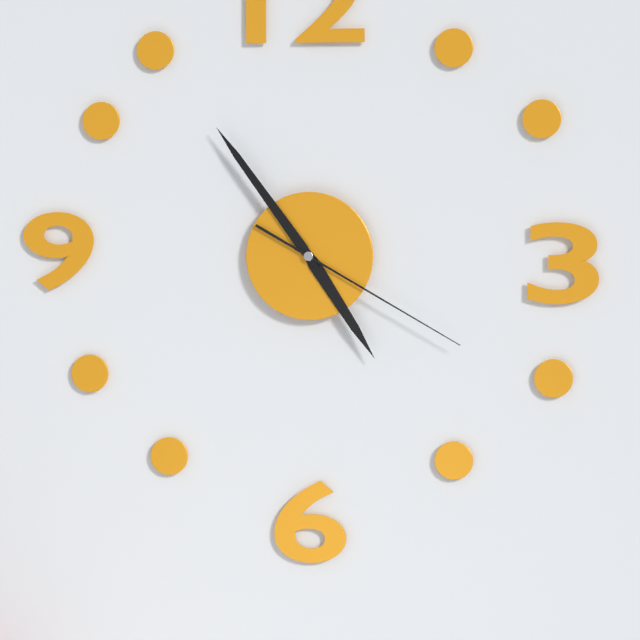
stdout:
4,54,20
